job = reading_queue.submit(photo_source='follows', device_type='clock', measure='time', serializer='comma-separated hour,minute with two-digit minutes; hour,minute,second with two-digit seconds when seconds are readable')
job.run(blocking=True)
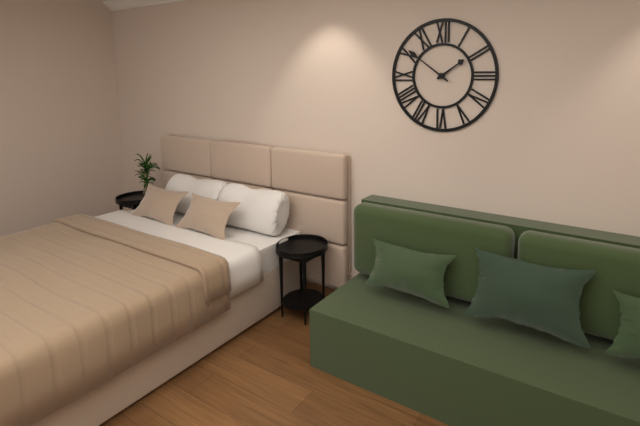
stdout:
1,51
